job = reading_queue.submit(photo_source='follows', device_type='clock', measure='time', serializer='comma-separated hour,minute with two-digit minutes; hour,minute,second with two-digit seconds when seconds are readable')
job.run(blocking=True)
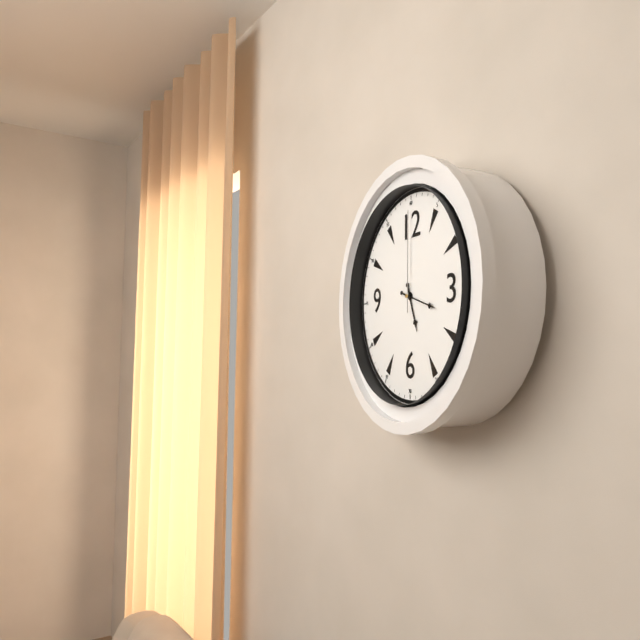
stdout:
5,18,00
